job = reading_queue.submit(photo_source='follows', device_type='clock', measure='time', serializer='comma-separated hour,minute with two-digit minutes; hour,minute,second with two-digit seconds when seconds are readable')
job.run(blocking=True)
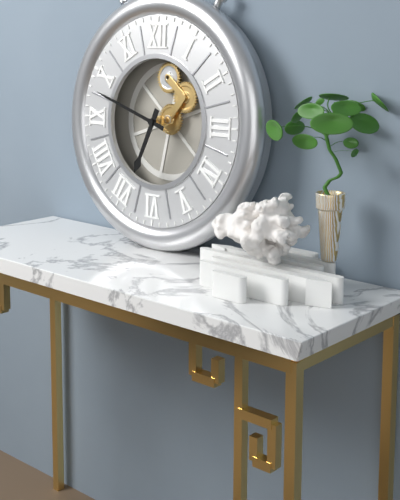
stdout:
6,48
